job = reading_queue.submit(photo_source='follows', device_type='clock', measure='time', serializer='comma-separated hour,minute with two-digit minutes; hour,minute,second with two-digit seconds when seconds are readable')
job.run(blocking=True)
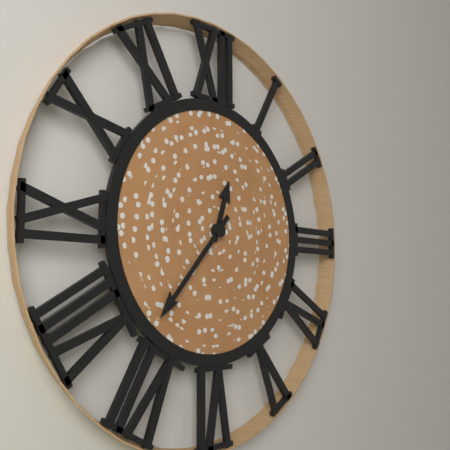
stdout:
12,37
